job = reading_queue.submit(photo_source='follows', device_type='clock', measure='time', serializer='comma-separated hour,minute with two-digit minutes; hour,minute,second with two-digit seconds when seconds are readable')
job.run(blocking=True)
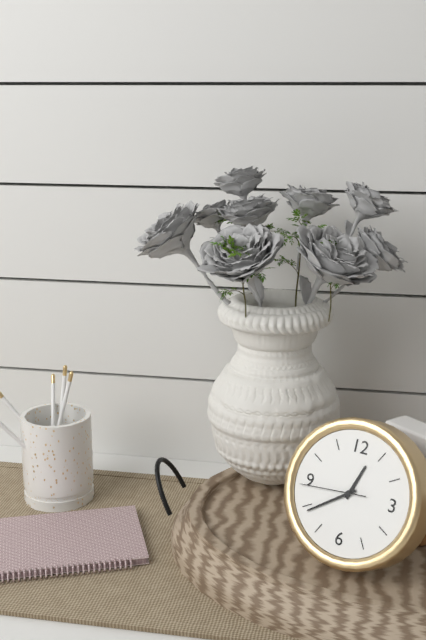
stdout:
12,39,44
